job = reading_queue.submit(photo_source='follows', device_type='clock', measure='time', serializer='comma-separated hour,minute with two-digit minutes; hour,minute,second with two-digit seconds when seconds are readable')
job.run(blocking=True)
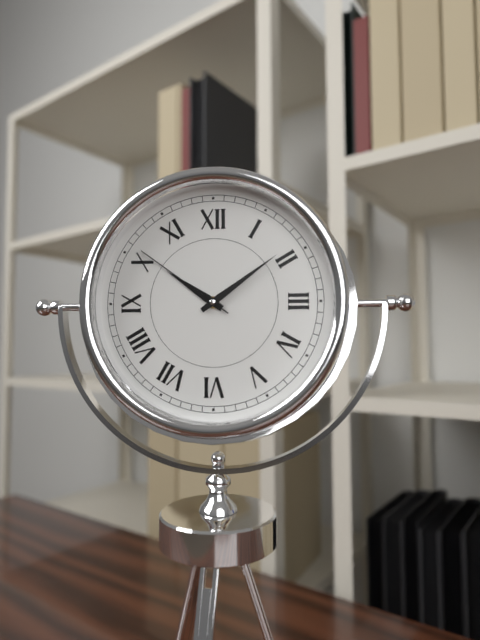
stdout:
10,09,51
